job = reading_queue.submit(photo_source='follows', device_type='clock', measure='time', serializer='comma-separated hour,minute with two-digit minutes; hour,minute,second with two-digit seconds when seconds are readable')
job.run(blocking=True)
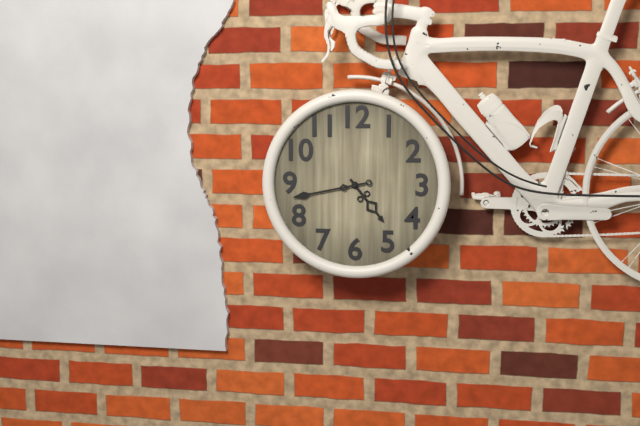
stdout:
4,43
